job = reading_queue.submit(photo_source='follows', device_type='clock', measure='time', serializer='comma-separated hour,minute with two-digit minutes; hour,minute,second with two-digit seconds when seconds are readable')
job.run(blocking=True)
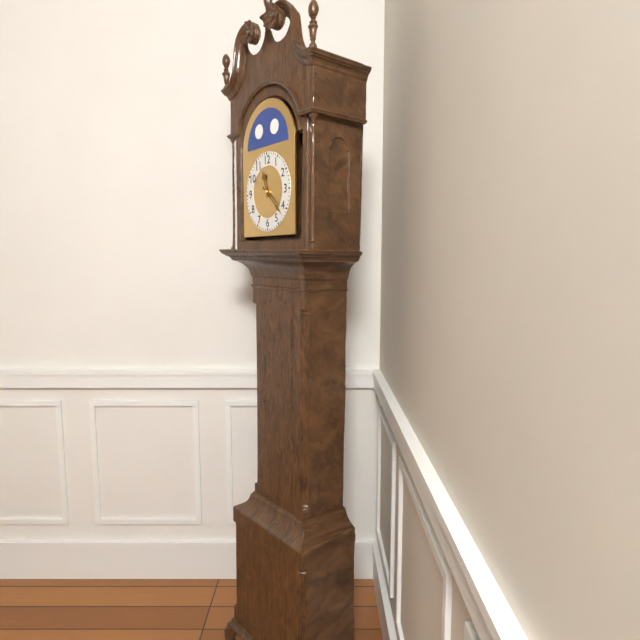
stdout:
11,22
